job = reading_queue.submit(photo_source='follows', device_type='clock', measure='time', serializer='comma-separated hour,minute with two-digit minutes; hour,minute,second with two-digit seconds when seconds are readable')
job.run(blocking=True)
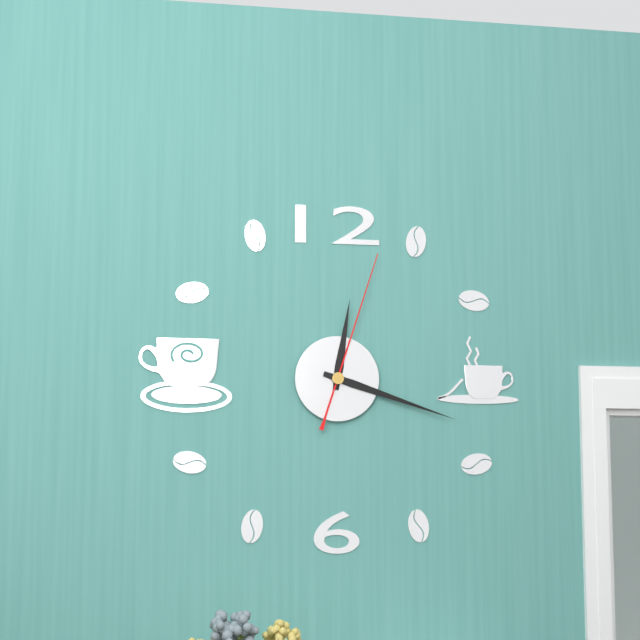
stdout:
12,18,03
